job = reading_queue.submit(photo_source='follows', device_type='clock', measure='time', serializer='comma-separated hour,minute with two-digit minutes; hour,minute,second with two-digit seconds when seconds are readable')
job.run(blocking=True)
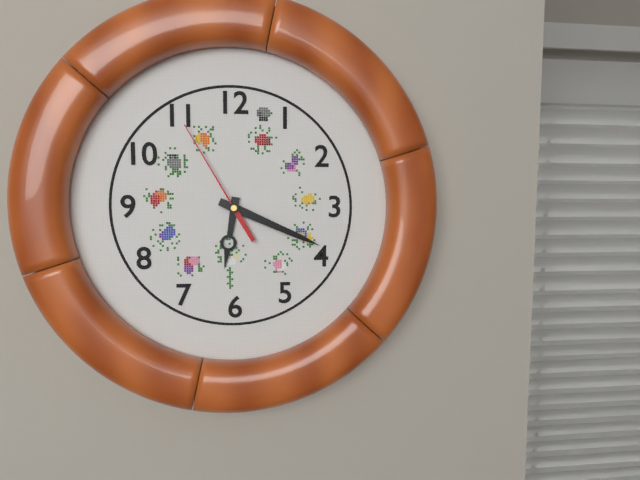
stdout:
6,19,55
